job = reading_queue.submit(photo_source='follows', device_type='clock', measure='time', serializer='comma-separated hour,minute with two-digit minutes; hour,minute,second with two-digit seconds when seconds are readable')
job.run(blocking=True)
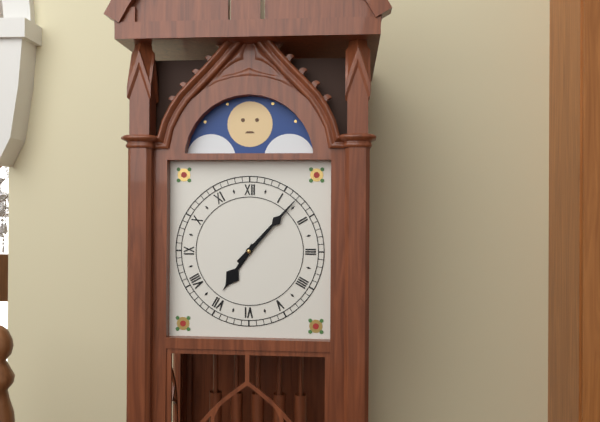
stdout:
7,07
